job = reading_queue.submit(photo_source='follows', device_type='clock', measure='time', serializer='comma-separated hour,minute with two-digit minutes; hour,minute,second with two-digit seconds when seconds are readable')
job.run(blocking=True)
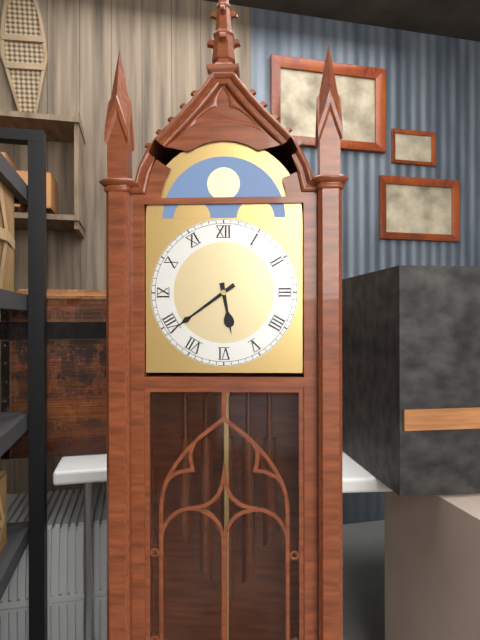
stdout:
5,39
